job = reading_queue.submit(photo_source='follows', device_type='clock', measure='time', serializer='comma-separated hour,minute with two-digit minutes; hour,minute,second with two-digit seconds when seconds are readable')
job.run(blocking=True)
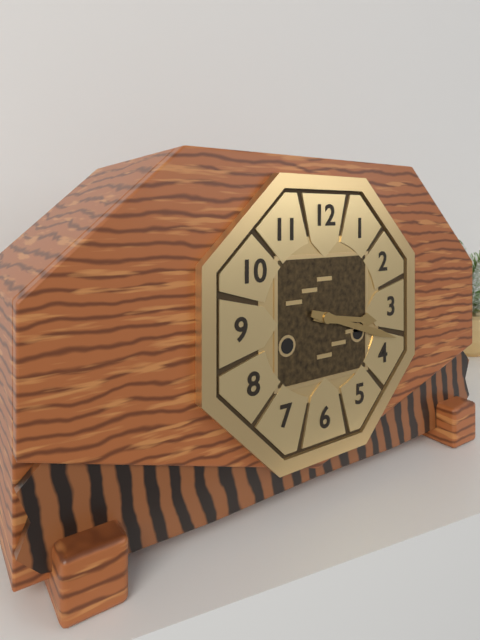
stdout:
3,18
